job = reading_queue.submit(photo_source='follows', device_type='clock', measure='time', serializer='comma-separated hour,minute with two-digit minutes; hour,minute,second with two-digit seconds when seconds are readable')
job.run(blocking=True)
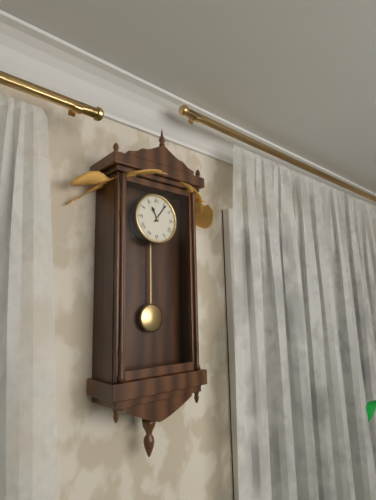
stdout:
11,06
